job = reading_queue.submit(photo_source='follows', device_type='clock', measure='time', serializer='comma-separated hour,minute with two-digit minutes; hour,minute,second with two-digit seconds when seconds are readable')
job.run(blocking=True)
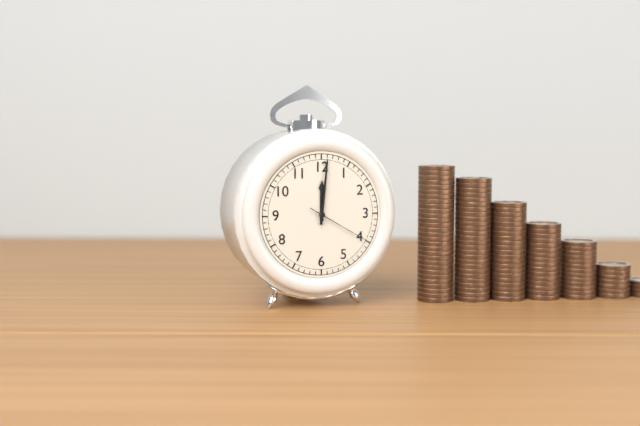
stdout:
12,01,20
